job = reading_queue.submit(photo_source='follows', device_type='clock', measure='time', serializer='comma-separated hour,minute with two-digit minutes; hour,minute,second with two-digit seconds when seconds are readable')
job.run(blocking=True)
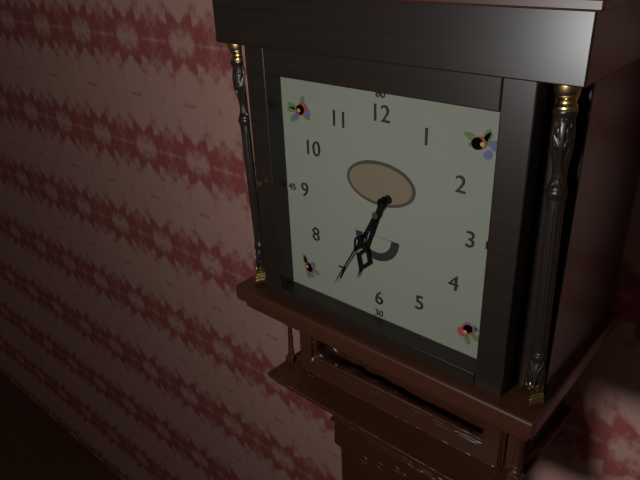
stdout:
6,35
